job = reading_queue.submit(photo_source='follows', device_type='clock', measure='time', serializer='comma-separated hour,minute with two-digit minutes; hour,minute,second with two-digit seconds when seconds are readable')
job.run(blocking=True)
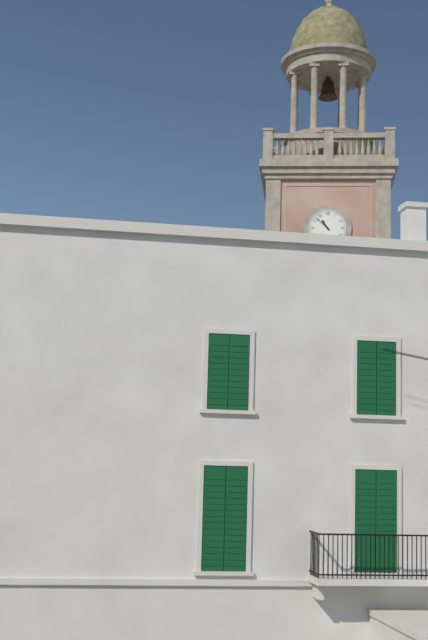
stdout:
10,52
